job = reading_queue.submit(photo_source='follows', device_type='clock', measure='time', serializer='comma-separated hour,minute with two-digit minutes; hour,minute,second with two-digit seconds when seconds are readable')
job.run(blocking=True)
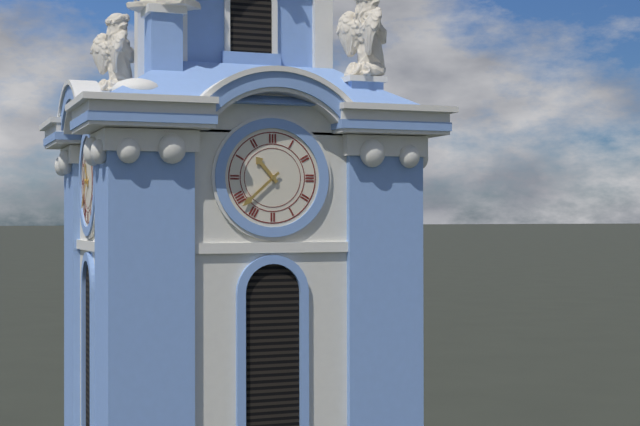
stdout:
10,38
